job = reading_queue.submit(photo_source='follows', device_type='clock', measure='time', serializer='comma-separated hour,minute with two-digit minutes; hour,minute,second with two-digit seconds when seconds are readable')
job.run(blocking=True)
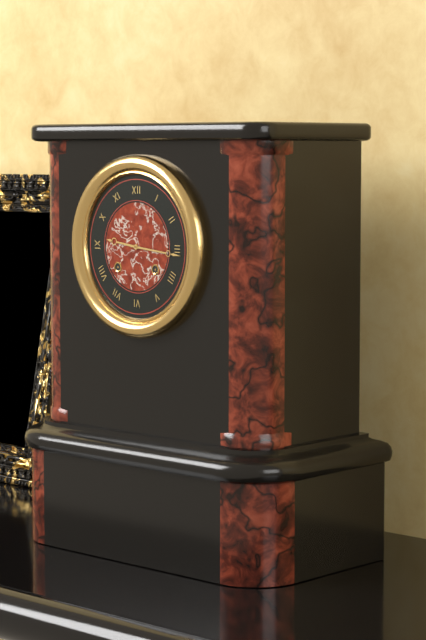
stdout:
9,16
